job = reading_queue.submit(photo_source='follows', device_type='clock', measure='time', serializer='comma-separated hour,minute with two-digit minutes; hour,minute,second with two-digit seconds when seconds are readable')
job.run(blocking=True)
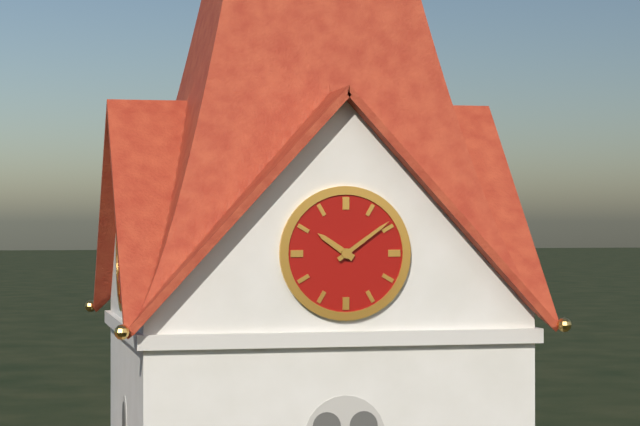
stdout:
10,09
